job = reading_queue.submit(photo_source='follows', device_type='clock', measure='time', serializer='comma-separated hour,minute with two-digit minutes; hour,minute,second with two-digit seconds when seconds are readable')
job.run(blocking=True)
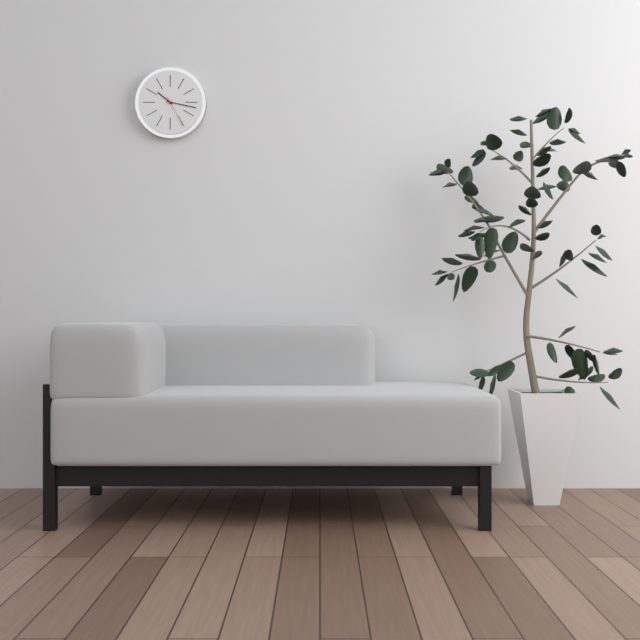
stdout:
10,17
